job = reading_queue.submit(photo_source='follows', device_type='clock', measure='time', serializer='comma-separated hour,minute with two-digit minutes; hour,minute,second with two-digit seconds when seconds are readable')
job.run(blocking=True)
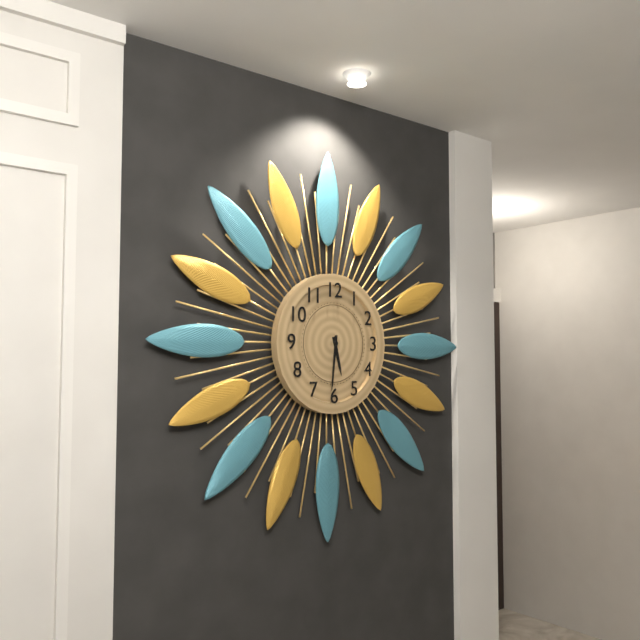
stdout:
5,31
